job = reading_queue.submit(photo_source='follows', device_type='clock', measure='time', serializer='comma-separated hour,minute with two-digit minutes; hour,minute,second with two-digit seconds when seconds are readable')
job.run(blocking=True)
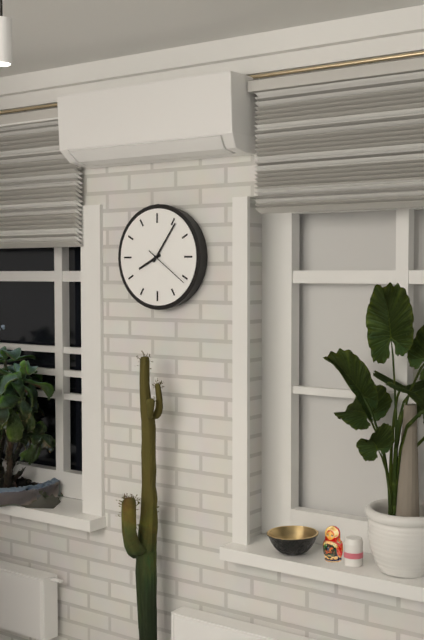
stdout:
8,06
